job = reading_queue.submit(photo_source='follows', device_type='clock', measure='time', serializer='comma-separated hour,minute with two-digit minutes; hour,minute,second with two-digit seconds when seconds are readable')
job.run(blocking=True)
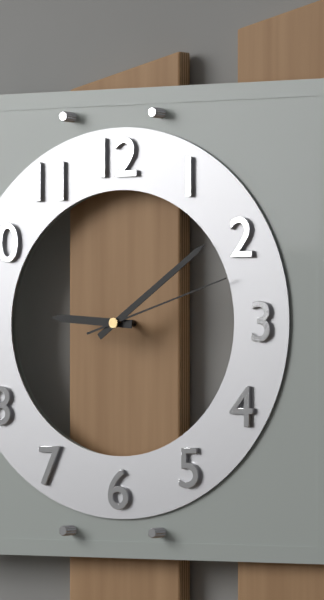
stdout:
9,09,12
